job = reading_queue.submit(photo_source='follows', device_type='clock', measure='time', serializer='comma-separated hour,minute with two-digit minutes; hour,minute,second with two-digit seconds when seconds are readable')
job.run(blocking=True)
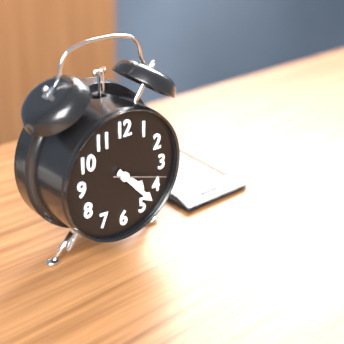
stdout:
4,23,18
